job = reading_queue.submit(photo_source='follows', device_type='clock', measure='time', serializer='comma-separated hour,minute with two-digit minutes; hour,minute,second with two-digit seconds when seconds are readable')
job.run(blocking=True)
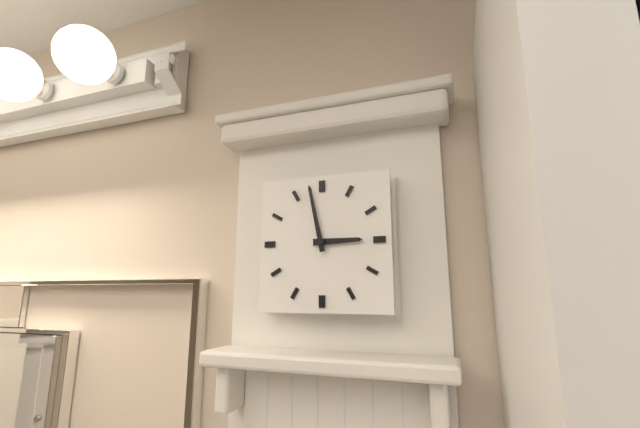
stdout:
2,58
